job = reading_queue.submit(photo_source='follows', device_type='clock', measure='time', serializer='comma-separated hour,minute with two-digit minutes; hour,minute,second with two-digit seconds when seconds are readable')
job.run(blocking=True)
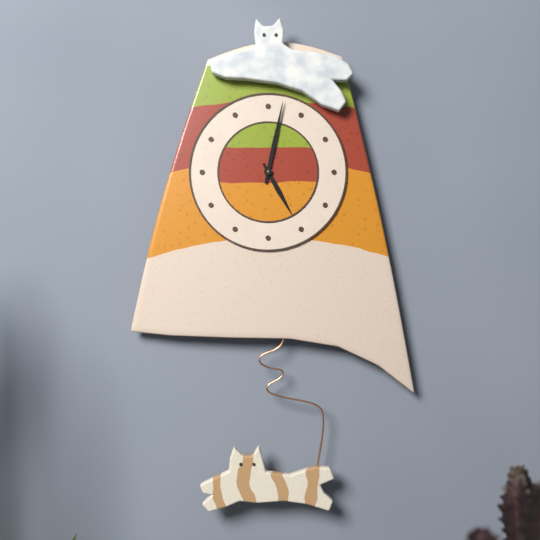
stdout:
5,02
